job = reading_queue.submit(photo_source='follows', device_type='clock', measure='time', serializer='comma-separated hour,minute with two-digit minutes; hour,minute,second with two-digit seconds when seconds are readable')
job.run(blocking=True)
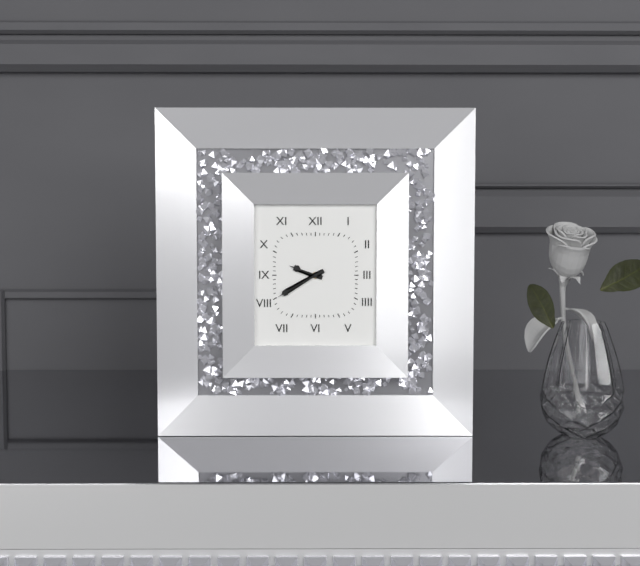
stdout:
9,40
